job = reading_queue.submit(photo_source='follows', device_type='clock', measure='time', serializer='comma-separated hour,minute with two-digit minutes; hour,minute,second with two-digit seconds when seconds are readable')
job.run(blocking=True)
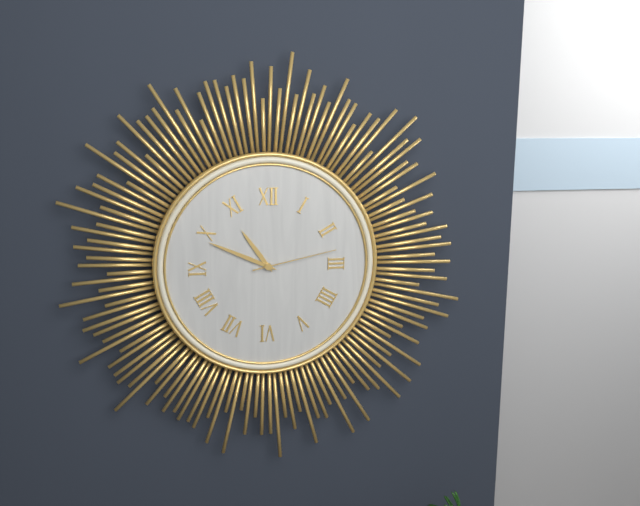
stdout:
10,49,13
